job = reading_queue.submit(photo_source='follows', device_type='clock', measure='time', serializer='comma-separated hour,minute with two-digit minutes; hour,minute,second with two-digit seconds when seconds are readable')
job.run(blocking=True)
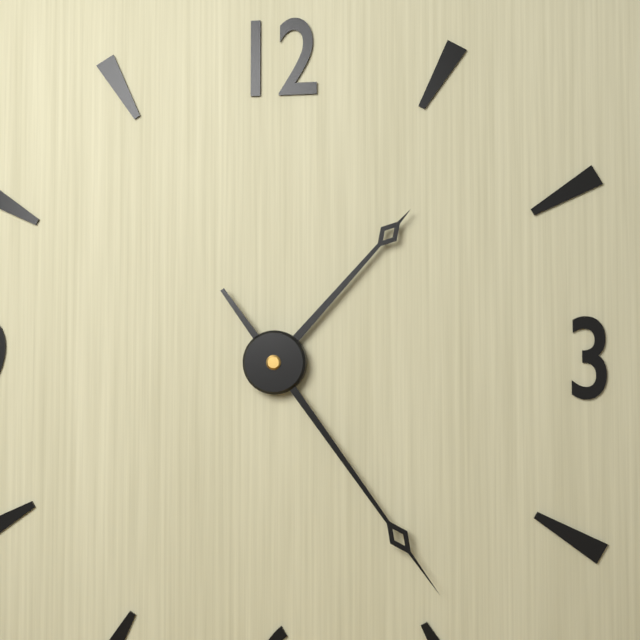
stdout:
1,24
